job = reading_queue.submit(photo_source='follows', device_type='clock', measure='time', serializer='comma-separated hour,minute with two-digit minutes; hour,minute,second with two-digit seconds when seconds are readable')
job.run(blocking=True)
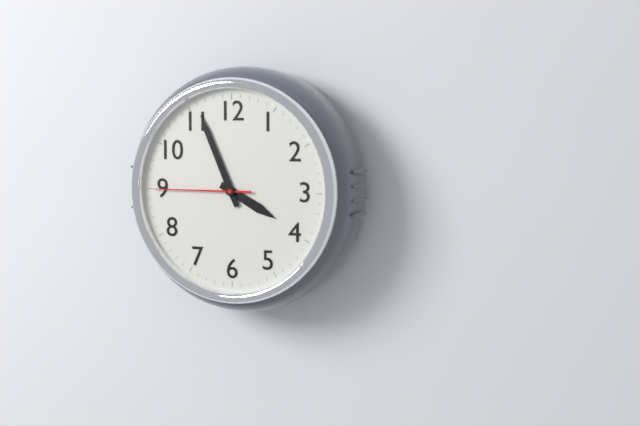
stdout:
3,56,45
